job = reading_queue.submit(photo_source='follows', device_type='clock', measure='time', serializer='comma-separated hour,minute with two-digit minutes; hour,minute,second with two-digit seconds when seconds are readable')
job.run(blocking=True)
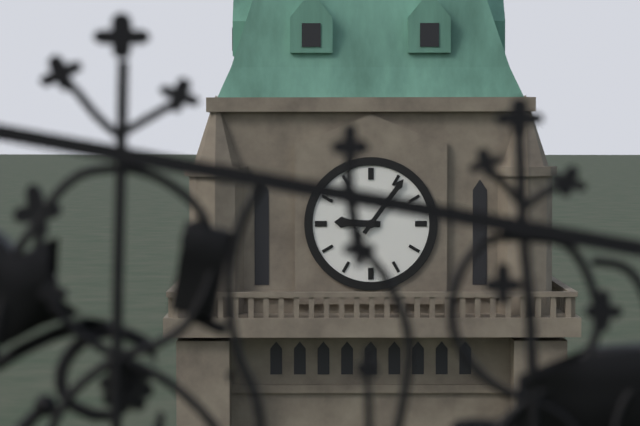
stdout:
9,06
